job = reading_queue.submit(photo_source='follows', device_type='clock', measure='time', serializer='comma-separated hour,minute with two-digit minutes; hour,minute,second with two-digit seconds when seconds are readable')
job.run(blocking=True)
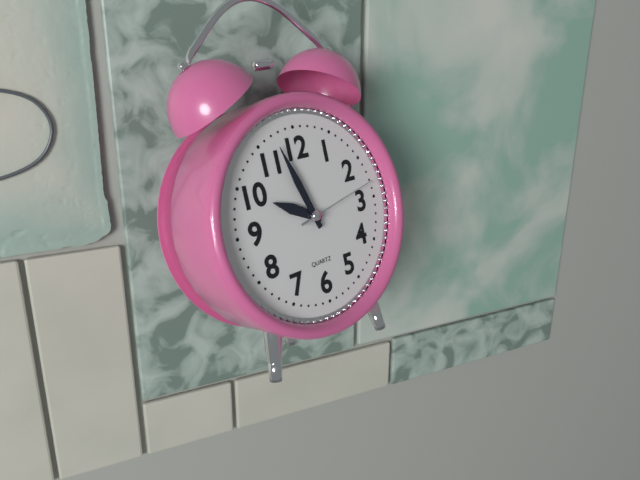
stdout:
9,57,13
